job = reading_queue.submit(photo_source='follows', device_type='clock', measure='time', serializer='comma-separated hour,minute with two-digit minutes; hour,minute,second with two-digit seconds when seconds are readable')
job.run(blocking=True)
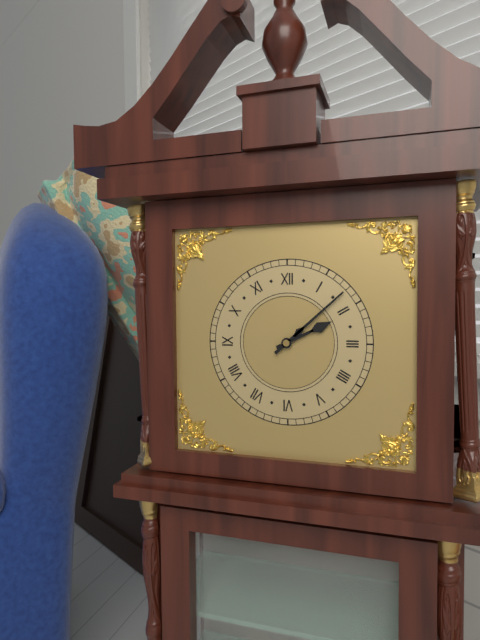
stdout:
2,08
